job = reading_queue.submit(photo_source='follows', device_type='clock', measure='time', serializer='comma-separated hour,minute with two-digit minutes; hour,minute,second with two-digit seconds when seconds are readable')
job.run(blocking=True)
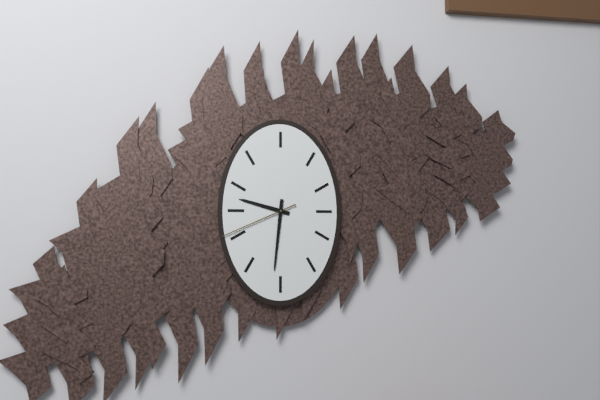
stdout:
9,31,41
